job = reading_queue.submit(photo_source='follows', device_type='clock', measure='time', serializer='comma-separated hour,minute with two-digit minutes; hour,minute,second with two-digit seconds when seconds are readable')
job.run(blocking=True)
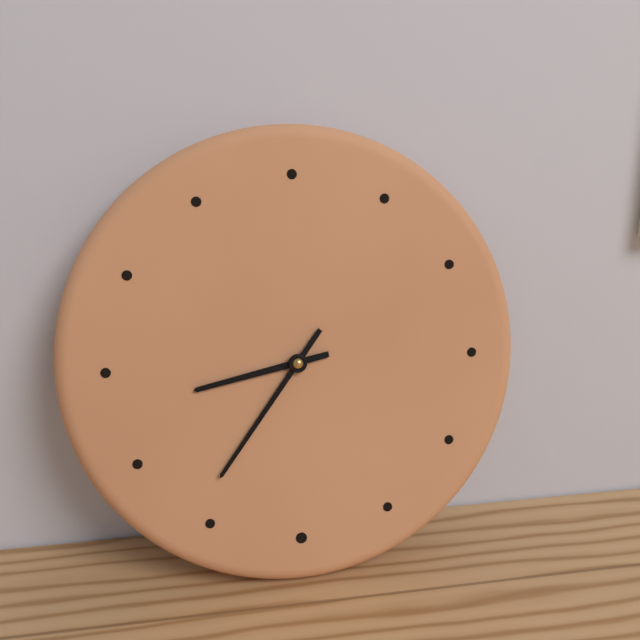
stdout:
8,36
